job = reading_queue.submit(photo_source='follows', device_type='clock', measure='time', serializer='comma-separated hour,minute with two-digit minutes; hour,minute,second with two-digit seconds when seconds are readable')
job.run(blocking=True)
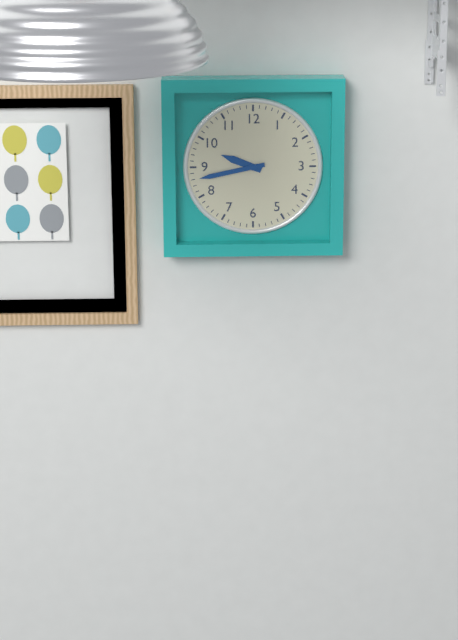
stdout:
9,43
